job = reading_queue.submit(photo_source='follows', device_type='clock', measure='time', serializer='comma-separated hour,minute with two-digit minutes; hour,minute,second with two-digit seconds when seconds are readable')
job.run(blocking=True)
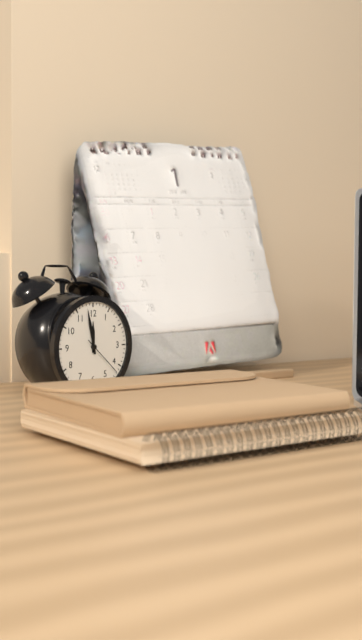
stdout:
11,58
